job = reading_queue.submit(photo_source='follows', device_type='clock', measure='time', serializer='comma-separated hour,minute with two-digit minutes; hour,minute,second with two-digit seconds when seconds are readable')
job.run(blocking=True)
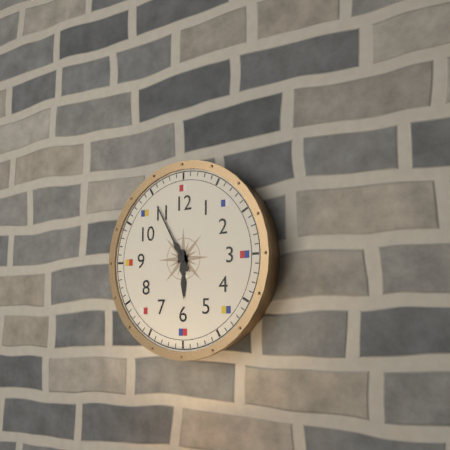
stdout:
5,55
